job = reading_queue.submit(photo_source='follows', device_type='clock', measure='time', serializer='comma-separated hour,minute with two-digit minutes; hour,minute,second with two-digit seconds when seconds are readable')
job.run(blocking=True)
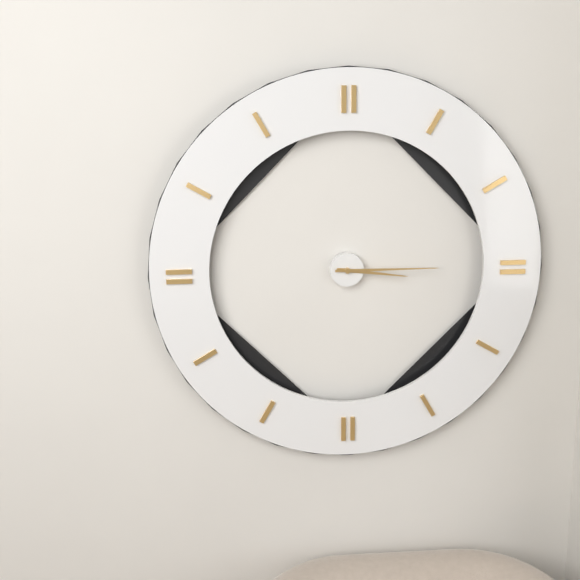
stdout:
3,15
